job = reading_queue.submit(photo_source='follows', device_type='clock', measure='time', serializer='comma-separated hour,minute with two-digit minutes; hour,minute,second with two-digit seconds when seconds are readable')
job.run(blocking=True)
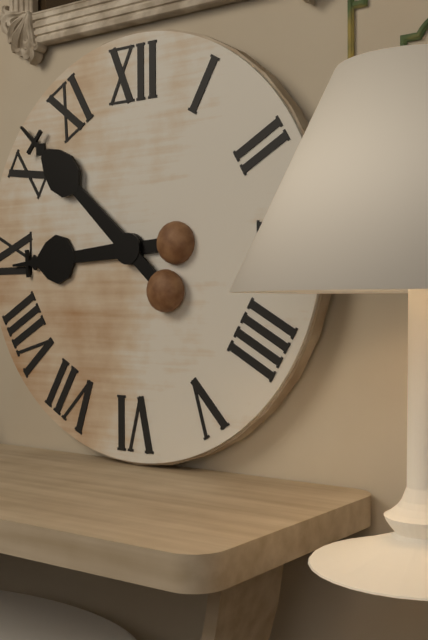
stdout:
8,52
